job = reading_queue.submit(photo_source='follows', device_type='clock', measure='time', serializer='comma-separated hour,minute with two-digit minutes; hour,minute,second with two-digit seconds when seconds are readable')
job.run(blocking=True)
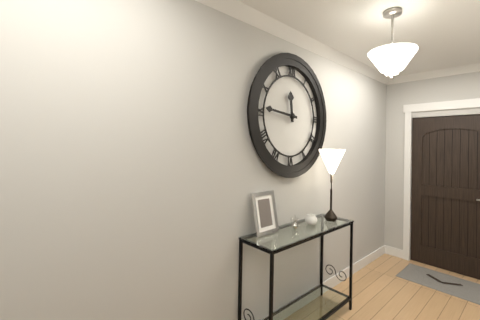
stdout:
11,46
